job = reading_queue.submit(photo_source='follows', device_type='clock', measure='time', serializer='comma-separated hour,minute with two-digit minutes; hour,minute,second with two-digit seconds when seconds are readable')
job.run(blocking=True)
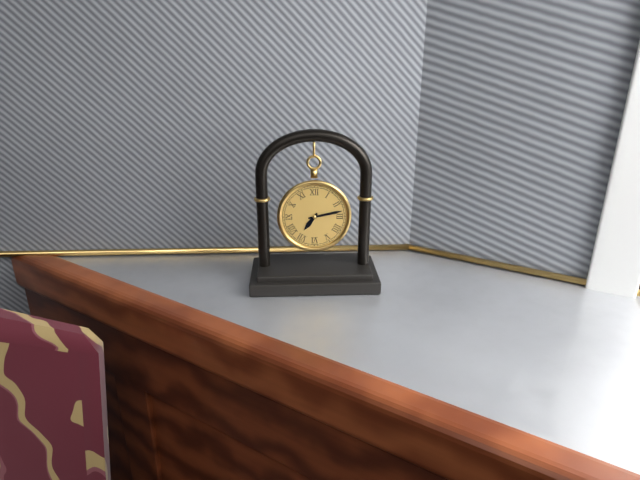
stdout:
7,13
